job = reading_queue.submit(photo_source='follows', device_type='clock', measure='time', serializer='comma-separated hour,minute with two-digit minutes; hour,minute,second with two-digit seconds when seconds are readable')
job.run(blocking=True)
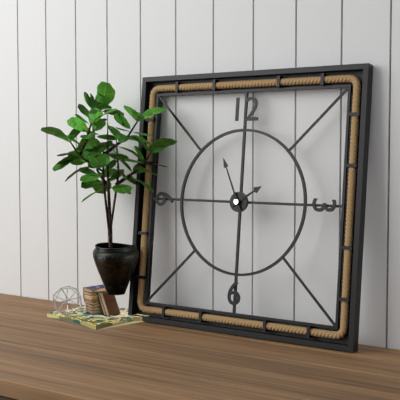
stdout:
1,56
